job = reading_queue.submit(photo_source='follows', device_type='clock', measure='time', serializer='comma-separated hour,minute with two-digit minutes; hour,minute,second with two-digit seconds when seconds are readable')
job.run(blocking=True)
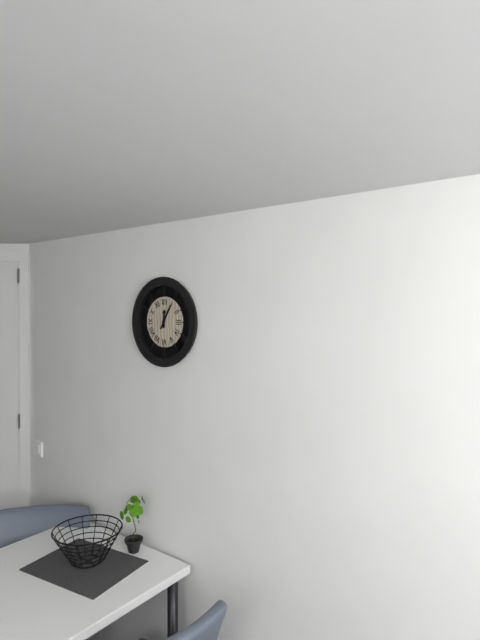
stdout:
12,05
